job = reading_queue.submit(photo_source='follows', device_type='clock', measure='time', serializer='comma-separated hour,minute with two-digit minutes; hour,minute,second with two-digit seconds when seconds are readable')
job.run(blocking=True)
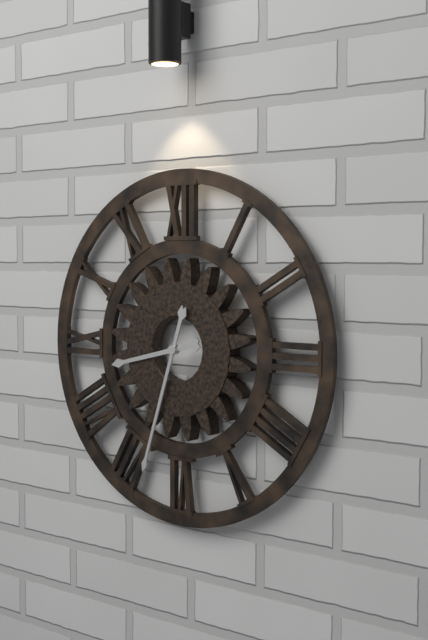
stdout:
8,33
